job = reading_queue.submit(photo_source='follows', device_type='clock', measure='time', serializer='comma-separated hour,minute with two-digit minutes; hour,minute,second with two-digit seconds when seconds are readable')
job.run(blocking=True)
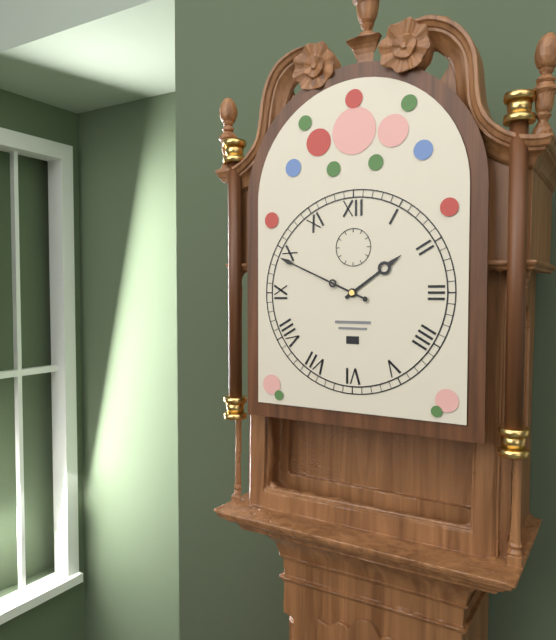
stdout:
1,49
